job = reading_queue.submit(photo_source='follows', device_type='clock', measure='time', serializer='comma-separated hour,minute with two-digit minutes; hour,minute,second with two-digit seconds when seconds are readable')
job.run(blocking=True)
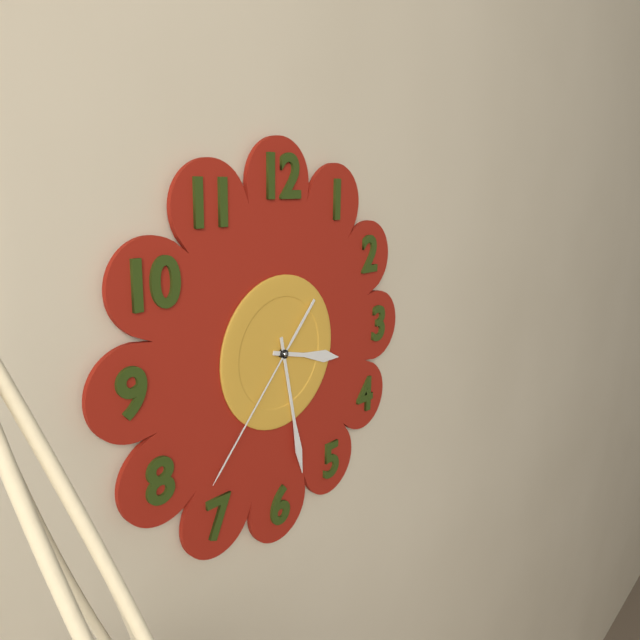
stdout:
3,28,37
